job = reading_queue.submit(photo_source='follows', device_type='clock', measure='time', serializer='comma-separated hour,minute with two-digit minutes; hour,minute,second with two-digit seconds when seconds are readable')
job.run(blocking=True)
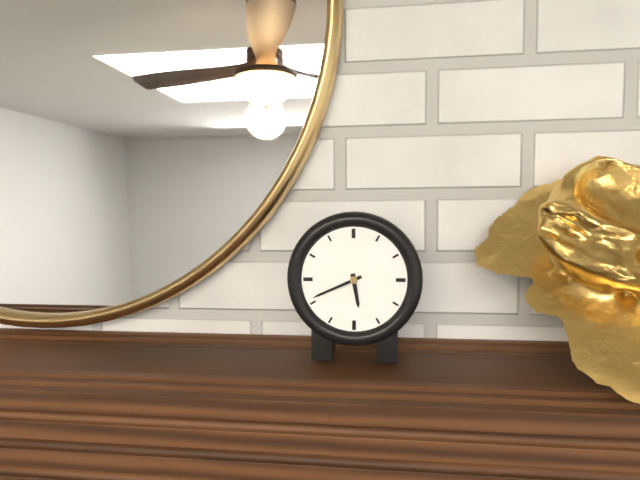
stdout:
5,41
